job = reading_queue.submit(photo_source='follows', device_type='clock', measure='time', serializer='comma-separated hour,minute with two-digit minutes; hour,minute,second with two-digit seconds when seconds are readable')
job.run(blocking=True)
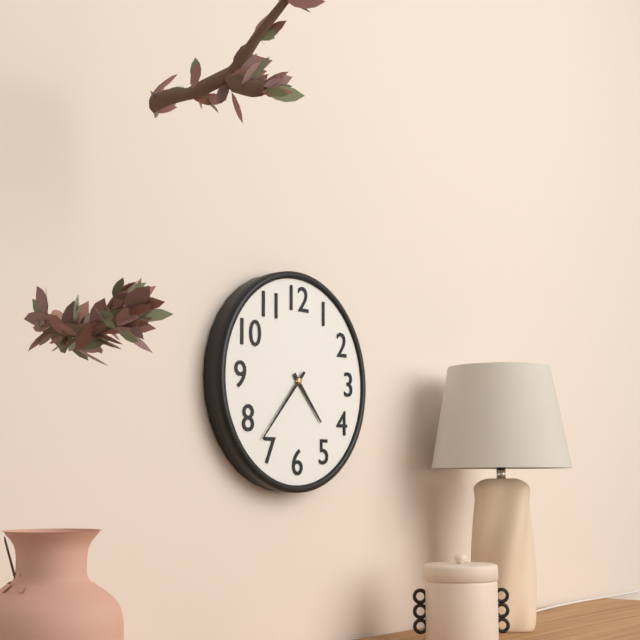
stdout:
4,37
